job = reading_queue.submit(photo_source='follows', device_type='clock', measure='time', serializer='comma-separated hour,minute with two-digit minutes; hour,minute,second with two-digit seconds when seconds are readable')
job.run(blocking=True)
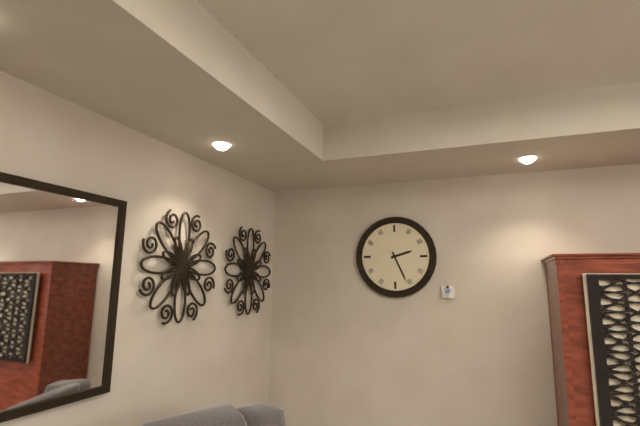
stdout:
2,26
